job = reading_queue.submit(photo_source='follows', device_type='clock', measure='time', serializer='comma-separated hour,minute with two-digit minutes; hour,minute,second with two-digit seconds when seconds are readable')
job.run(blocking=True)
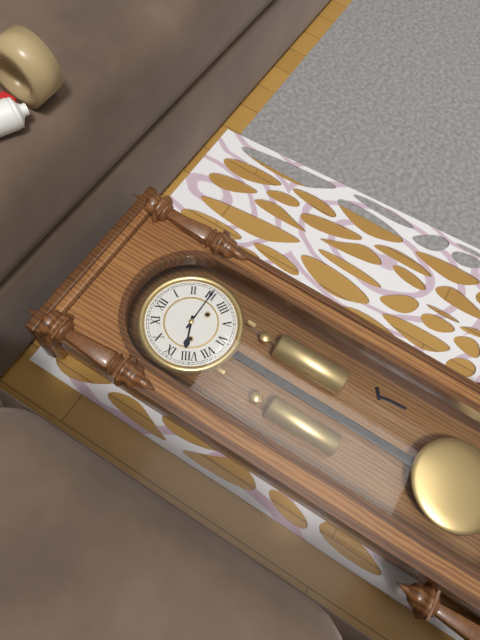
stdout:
8,15
